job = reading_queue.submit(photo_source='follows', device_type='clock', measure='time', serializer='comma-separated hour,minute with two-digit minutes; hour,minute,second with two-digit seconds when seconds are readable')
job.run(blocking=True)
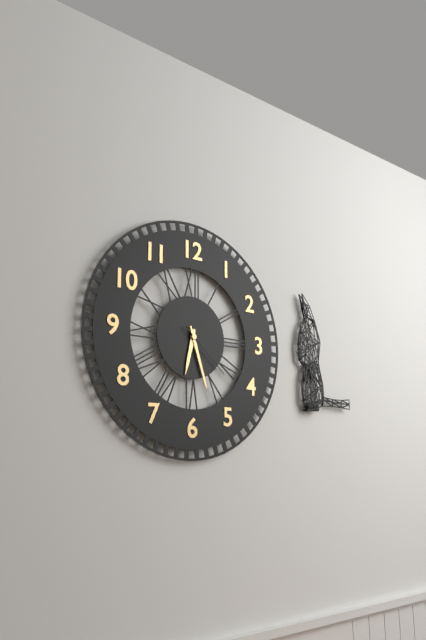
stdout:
6,27,22
